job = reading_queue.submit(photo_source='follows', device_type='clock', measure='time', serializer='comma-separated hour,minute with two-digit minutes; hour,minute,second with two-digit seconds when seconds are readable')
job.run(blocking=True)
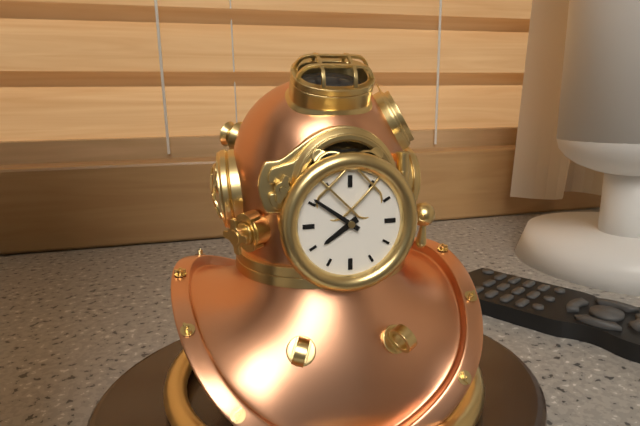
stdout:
7,51
